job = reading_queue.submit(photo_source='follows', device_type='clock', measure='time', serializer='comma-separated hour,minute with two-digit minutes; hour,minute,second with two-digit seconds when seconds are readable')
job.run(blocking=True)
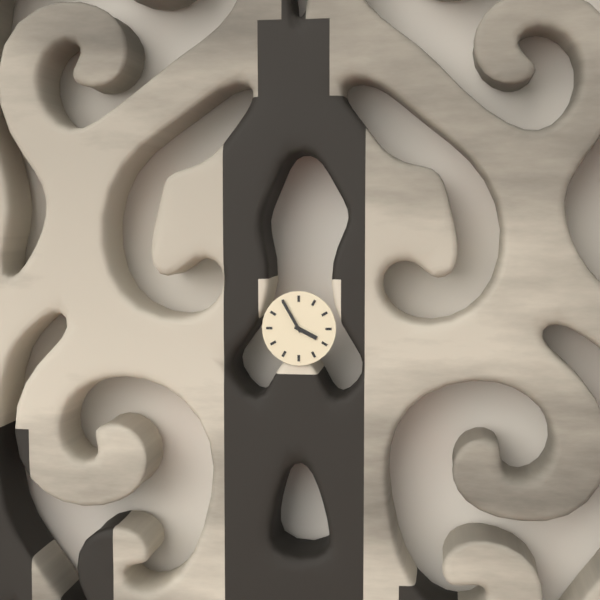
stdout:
3,55
